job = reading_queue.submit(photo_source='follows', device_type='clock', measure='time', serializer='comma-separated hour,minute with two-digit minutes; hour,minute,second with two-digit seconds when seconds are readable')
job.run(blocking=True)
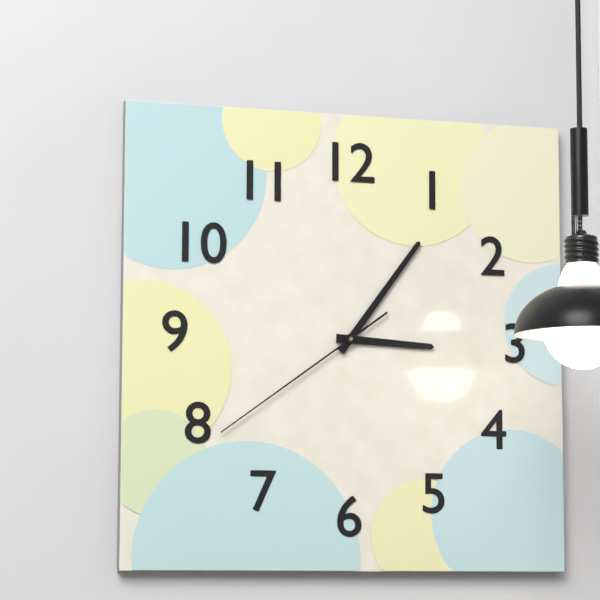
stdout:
3,06,39
